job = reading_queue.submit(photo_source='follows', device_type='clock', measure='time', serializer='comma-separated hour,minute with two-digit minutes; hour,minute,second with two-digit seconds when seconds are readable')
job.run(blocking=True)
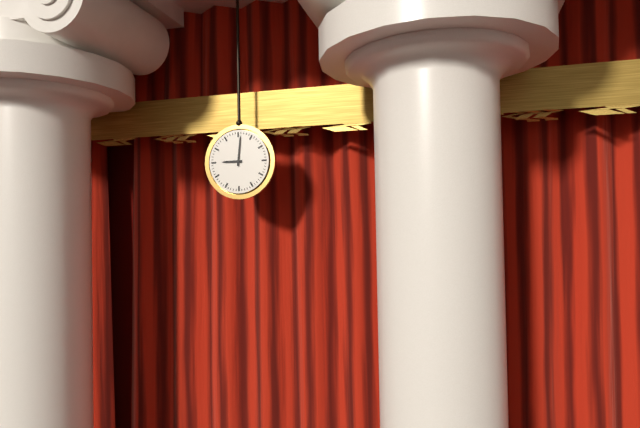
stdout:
9,01
